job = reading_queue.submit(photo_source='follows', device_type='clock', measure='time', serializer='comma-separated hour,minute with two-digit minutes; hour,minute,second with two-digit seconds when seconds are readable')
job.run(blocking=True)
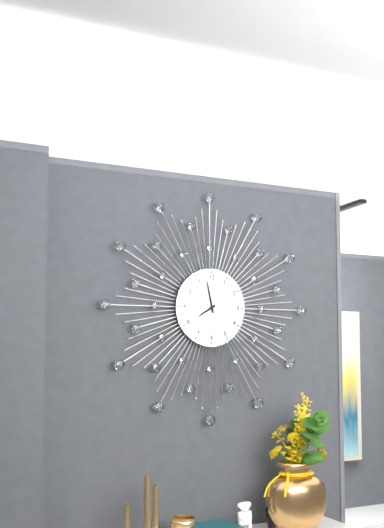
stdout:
7,58
